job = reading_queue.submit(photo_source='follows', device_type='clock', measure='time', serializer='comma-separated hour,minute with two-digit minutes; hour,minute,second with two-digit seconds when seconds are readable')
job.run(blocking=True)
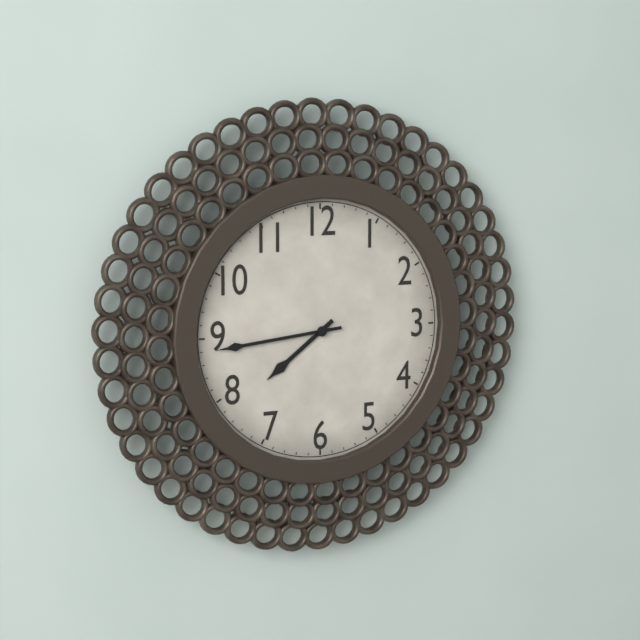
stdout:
7,44
